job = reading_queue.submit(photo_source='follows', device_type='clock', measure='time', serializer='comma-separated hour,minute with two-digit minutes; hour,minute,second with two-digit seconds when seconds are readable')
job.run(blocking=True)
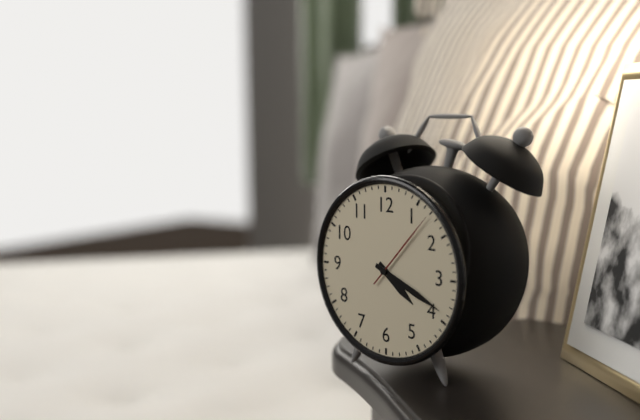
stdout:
4,19,07
